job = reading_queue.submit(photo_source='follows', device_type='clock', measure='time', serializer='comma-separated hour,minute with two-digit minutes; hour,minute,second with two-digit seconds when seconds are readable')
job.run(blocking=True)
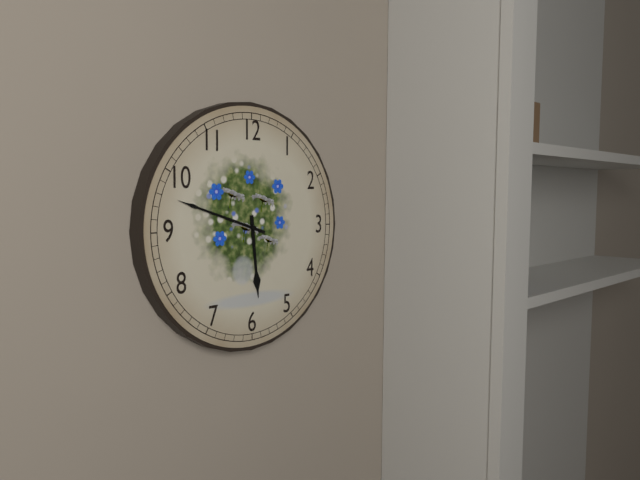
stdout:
5,48
